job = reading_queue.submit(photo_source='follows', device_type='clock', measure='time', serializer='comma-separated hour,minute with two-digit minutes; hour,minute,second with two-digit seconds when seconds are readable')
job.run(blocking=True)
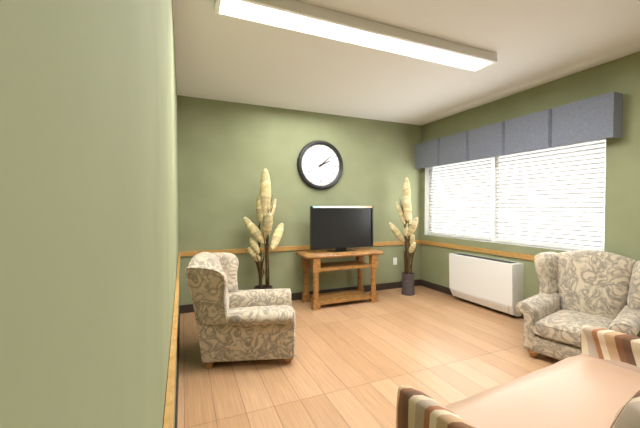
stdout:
2,08
